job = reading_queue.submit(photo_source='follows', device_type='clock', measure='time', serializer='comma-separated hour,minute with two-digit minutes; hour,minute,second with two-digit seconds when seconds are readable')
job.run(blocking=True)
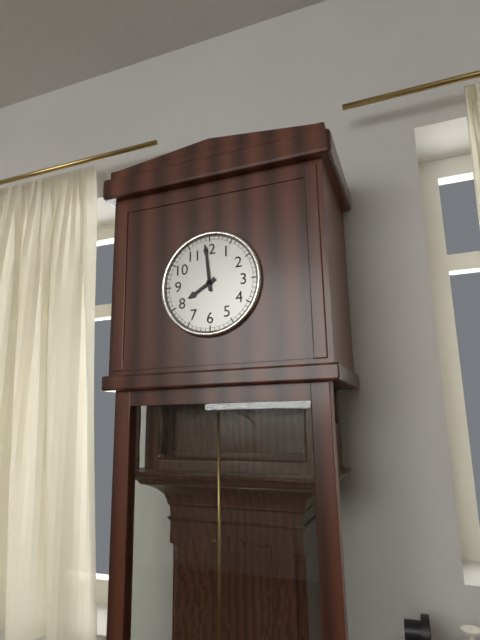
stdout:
7,59
